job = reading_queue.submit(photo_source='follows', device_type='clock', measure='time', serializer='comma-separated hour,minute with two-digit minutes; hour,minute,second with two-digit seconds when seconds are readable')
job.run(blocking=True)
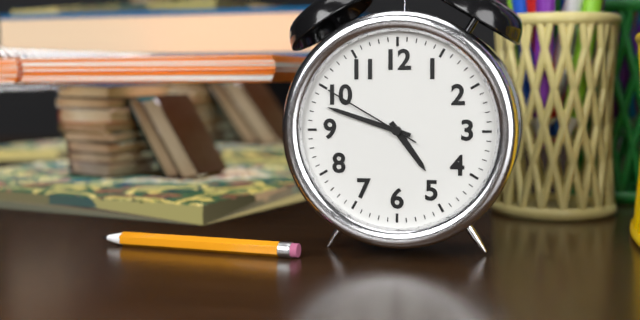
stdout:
4,48,50
